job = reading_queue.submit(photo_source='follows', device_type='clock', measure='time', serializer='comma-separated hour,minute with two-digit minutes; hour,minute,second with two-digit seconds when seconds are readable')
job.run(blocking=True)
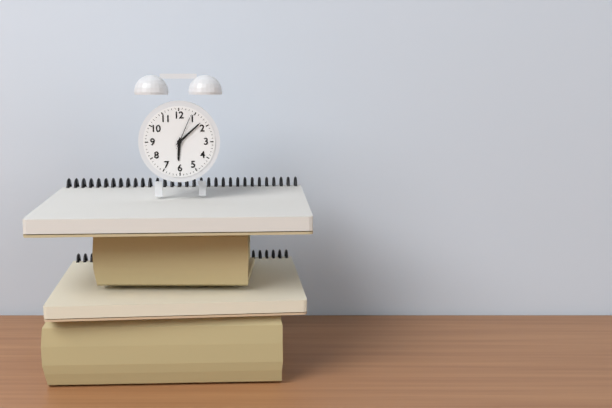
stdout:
6,08
